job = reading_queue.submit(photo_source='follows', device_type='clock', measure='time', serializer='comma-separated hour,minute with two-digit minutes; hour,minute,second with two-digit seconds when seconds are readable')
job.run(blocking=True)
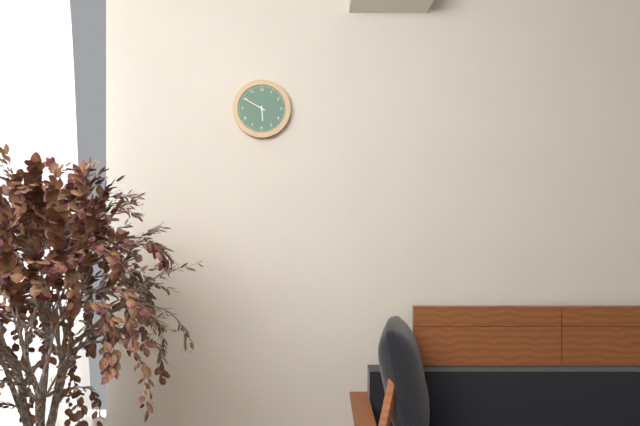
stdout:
5,50
